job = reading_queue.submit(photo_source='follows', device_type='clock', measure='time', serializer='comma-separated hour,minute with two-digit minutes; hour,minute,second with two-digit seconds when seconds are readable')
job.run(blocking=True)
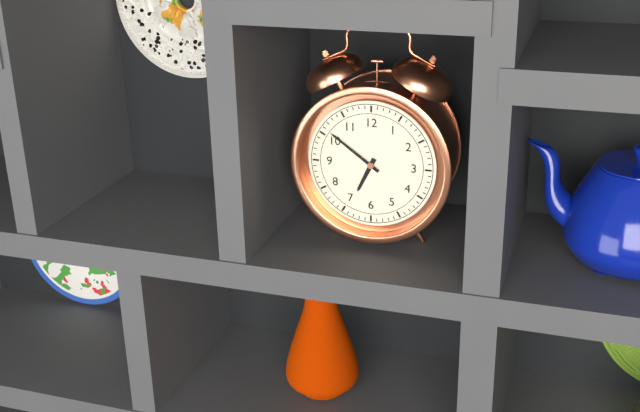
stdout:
6,51
